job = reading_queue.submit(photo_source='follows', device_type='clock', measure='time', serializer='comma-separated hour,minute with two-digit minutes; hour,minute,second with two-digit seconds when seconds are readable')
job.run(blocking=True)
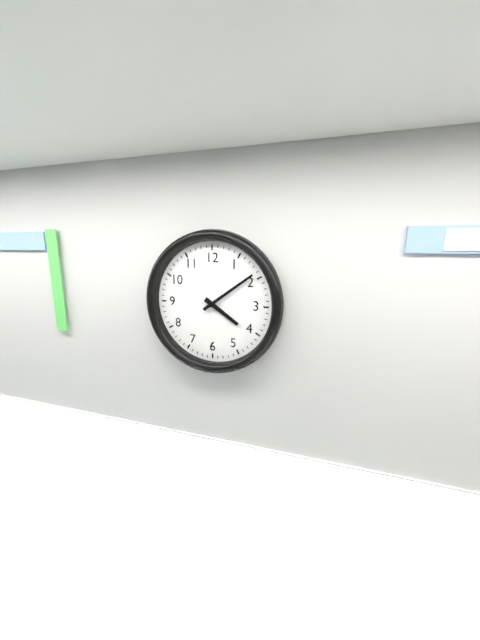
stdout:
4,09
